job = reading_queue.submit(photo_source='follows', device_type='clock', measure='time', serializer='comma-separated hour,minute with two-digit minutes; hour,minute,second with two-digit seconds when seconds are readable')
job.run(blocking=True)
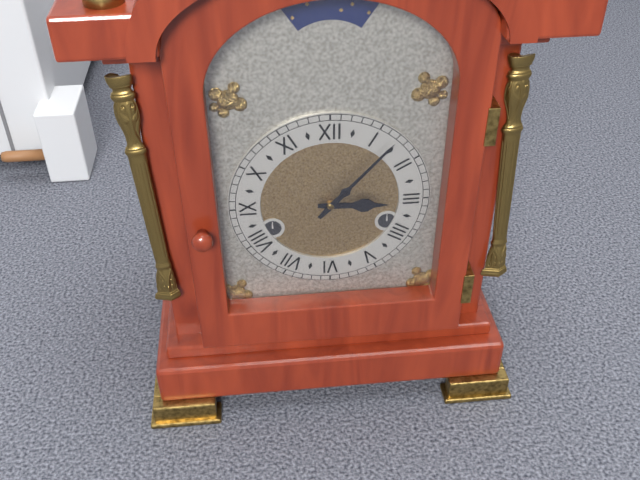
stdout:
3,07
